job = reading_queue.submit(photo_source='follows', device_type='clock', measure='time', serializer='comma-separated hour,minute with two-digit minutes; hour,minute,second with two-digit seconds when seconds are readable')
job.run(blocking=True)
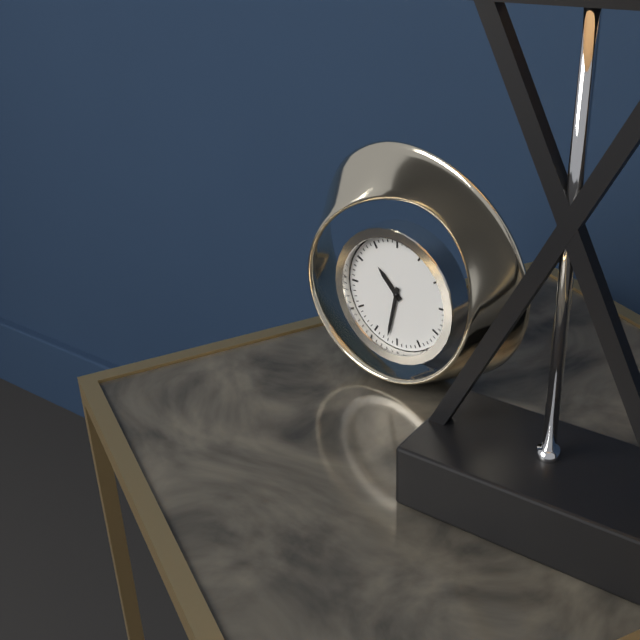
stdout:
10,32
